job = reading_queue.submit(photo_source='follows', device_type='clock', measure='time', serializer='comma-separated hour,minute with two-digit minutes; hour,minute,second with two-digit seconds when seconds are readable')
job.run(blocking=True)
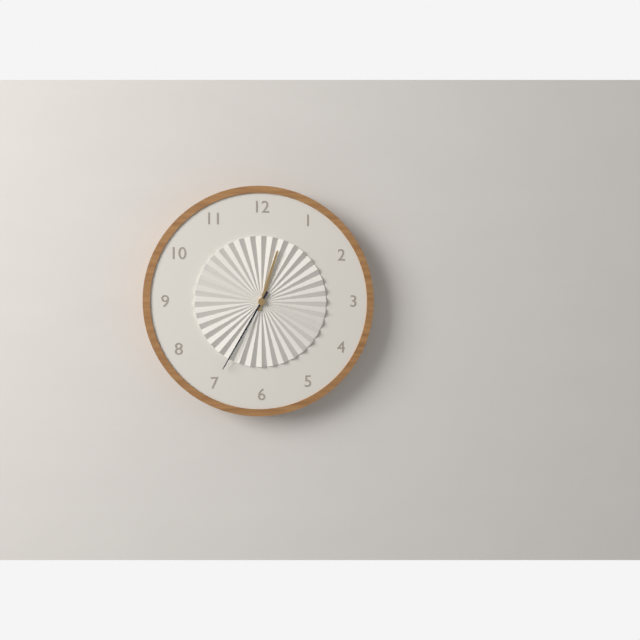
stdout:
12,35
